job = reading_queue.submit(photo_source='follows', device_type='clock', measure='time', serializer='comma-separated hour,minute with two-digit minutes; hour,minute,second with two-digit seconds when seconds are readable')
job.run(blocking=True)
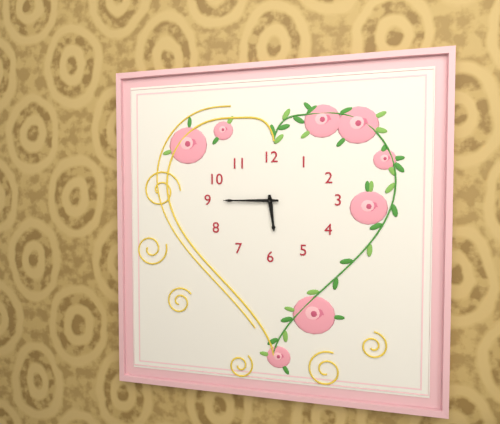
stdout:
5,45
